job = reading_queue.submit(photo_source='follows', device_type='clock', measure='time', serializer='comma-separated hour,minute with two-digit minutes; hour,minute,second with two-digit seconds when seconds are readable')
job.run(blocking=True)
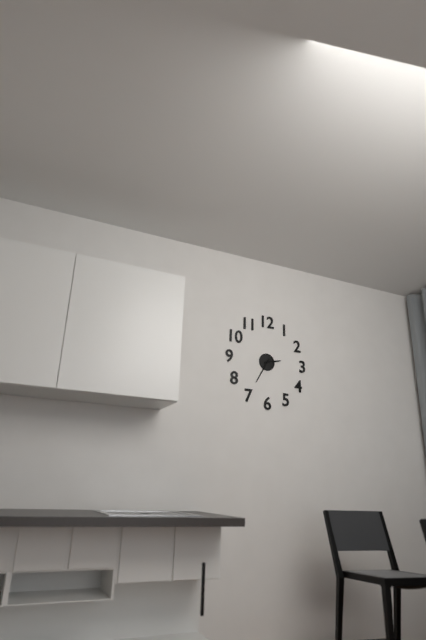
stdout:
2,35
